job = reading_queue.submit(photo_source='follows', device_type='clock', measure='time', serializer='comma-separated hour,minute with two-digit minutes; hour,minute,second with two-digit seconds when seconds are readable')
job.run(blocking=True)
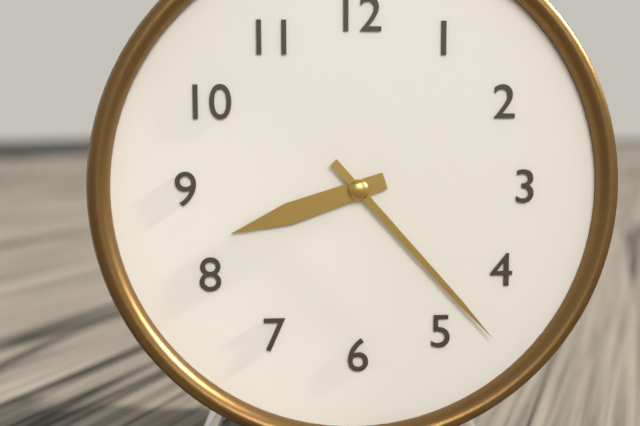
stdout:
8,23
